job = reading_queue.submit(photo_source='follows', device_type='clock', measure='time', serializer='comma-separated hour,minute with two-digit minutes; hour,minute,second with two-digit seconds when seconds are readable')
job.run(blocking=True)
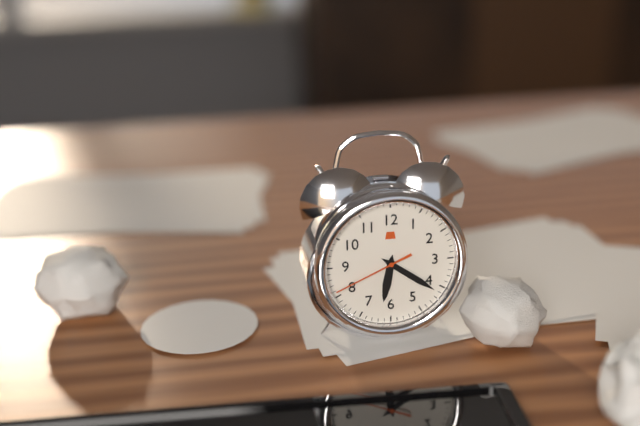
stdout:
6,21,41
